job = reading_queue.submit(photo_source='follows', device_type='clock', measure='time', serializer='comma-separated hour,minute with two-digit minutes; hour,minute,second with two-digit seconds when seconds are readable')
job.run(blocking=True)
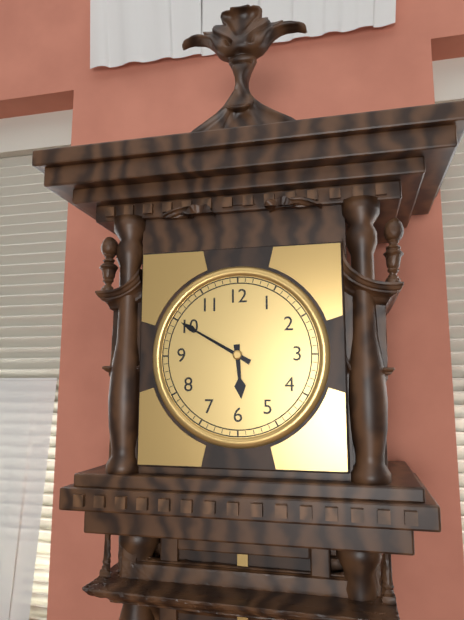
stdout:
5,50
